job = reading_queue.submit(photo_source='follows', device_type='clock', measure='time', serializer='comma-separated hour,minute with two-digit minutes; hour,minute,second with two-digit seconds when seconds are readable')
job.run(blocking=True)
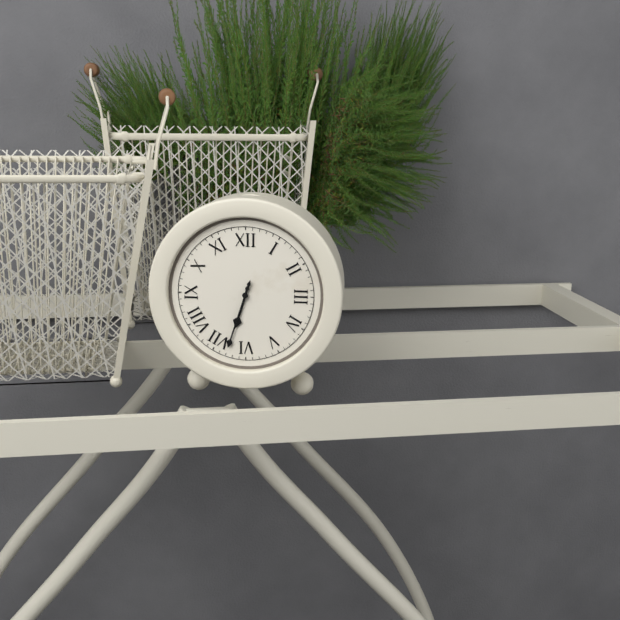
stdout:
6,33
